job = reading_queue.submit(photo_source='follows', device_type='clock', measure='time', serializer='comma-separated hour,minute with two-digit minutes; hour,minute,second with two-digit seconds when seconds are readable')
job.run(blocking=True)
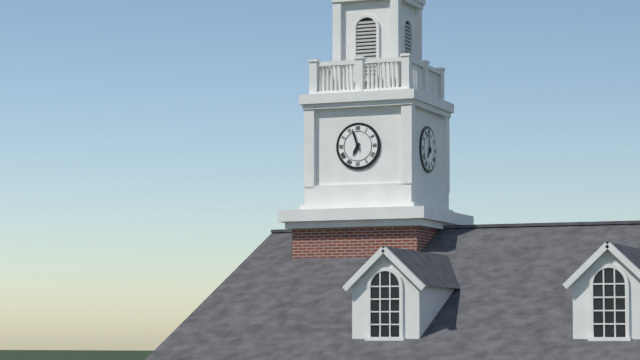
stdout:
6,57
